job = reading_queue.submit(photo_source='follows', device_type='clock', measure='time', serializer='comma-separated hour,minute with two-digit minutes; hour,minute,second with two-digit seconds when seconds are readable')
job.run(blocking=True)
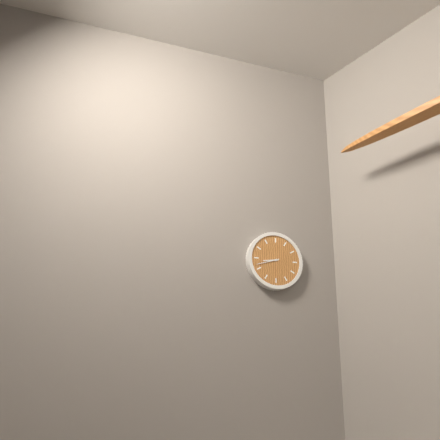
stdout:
8,42
